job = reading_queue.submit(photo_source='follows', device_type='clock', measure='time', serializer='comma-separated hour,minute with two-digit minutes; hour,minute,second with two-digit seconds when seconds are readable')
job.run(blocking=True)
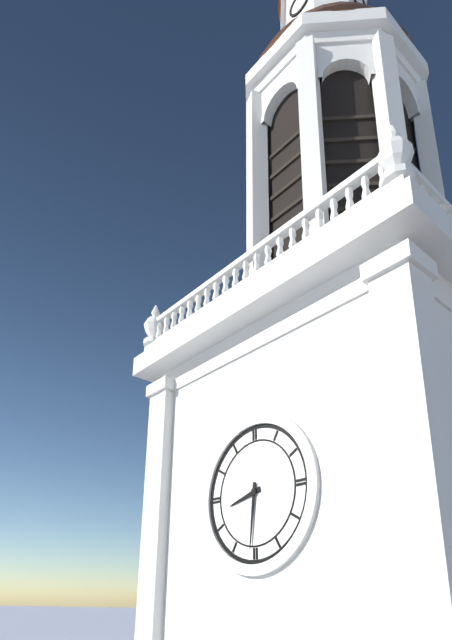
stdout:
8,31
